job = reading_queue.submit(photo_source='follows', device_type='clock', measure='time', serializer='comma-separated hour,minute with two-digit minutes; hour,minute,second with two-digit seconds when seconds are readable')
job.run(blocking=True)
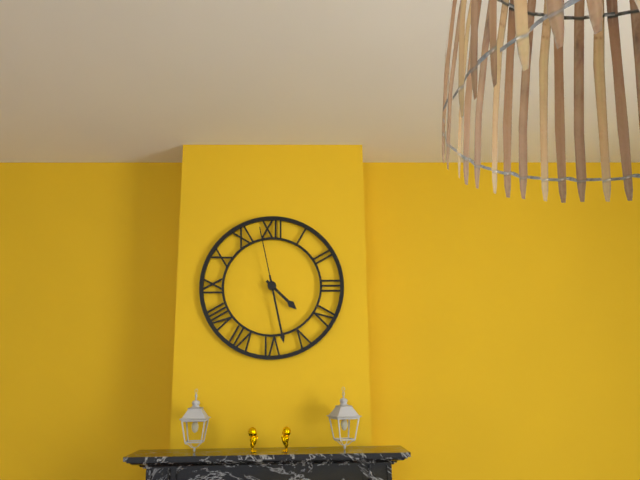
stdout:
4,28,58
